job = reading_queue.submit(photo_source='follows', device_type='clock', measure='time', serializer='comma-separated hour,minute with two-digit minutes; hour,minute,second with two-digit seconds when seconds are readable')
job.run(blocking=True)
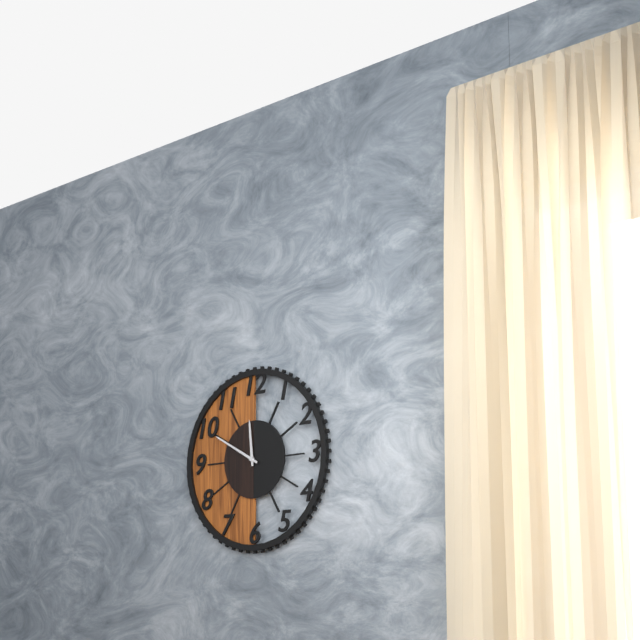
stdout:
11,50
